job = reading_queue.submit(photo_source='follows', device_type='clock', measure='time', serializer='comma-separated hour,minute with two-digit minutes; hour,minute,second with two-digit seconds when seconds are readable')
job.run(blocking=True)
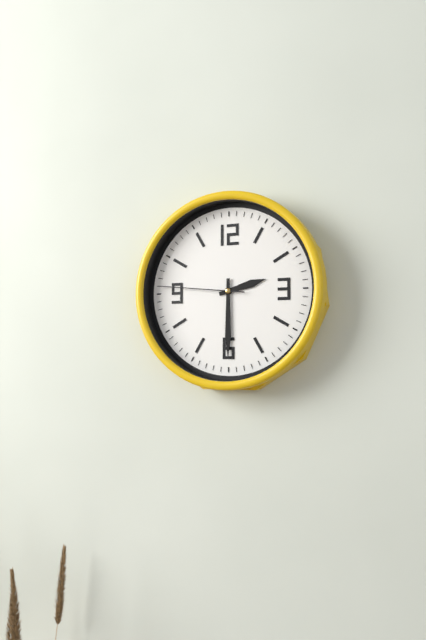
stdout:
2,30,46
